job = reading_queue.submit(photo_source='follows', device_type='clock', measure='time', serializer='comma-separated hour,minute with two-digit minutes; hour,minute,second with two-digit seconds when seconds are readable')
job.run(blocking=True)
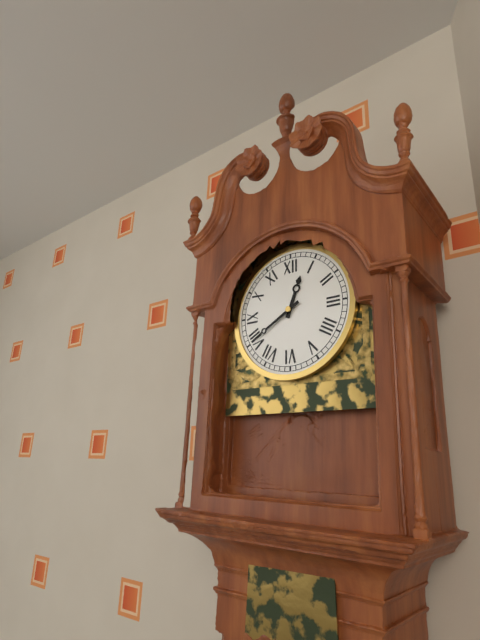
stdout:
12,40
